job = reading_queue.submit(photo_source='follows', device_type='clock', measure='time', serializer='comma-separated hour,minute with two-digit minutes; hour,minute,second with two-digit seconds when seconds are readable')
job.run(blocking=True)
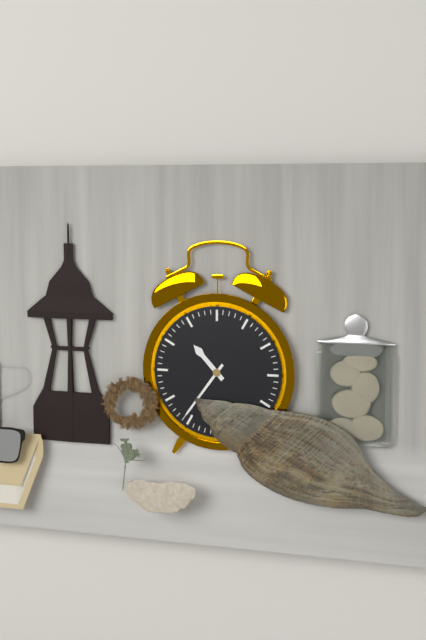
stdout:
10,36
